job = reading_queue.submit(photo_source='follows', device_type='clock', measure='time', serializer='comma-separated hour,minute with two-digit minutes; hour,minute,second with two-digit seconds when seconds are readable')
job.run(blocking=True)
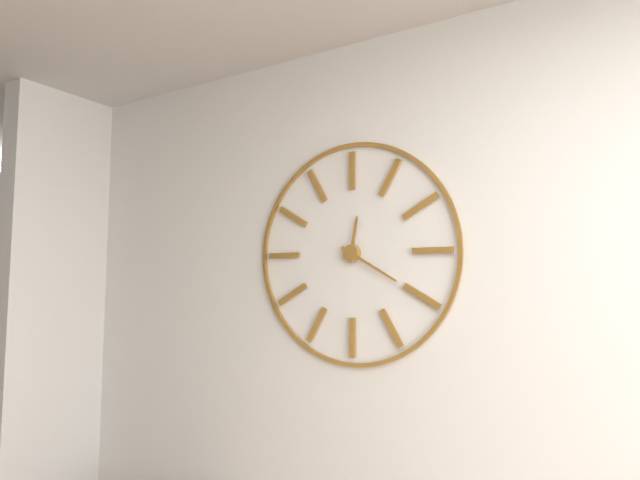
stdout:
12,20
